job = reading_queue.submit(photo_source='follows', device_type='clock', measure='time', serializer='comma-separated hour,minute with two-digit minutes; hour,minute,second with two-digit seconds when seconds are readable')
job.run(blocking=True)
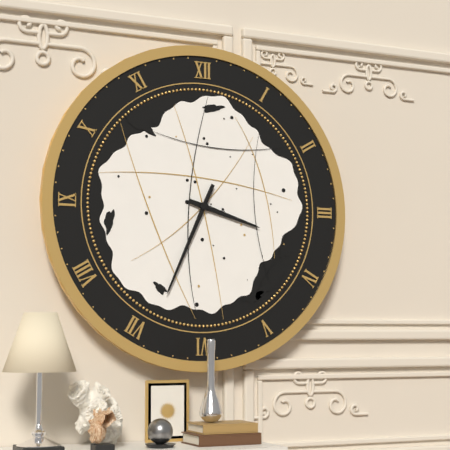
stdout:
3,34
